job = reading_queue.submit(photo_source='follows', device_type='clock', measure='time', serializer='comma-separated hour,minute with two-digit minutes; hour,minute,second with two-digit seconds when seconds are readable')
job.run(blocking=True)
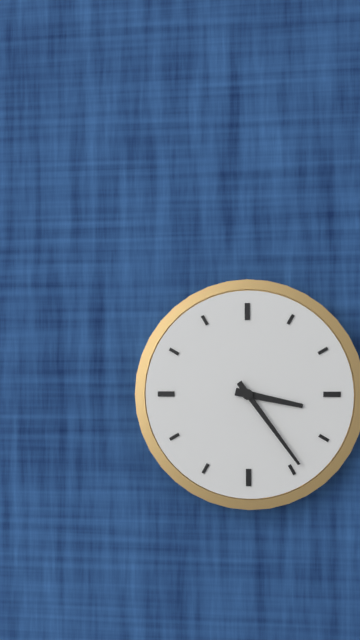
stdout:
3,24
